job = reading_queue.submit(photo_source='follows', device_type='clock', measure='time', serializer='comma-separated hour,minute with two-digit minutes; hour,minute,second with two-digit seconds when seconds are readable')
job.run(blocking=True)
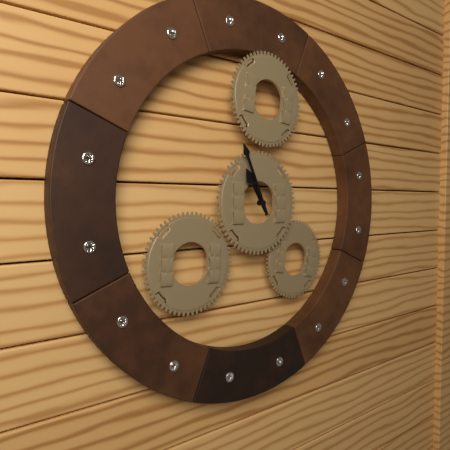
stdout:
10,56
